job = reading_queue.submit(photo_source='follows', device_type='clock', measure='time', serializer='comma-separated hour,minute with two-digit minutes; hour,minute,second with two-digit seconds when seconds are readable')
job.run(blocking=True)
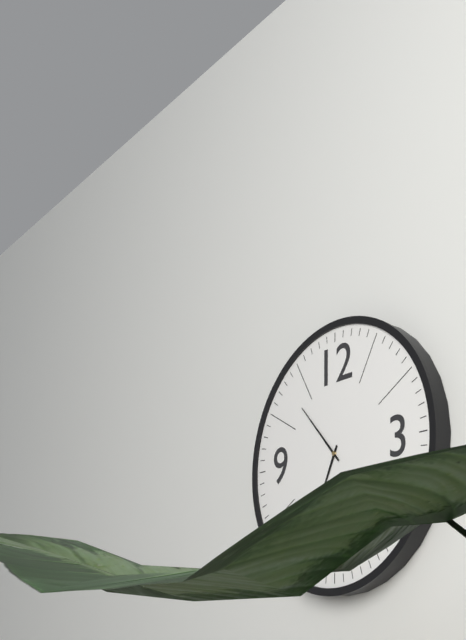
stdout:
6,53
